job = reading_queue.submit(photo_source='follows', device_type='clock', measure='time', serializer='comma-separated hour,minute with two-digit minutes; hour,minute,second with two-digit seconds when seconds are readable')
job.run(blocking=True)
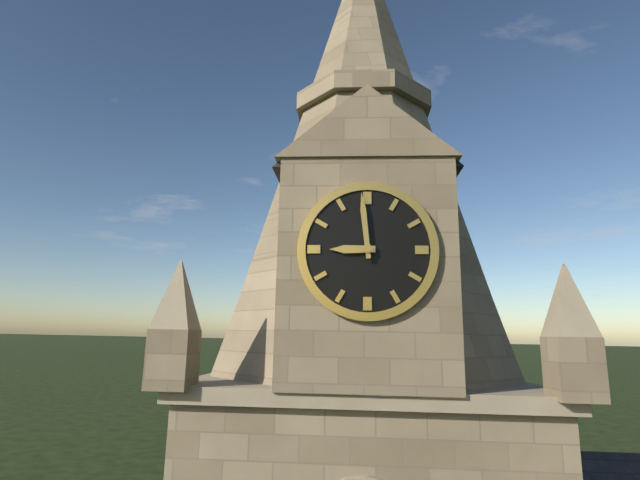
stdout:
8,59
